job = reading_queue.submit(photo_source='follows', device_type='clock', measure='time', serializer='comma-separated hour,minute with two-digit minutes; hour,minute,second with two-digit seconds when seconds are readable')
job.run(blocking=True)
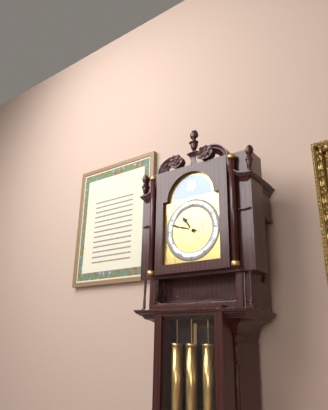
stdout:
10,48
